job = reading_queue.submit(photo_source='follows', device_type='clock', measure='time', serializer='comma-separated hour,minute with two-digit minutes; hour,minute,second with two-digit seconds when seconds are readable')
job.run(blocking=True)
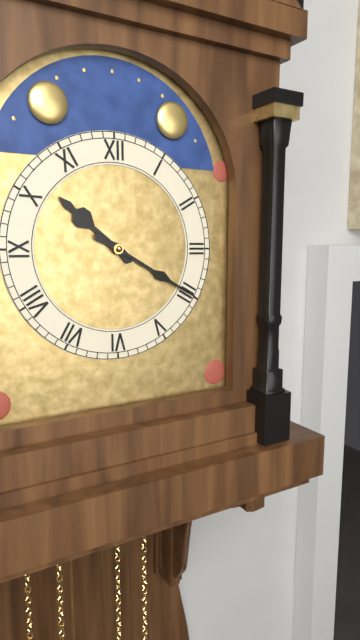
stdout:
10,20
